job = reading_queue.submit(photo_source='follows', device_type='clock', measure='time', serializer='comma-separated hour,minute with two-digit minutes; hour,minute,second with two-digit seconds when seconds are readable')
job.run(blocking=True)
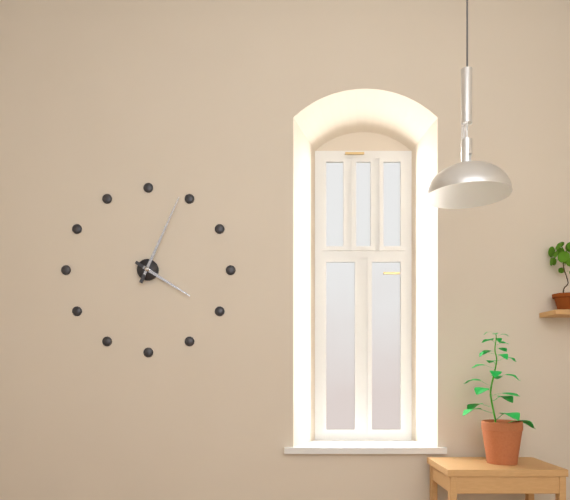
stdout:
4,04
